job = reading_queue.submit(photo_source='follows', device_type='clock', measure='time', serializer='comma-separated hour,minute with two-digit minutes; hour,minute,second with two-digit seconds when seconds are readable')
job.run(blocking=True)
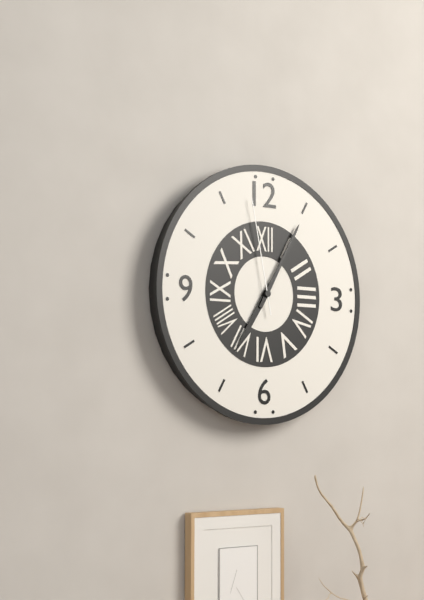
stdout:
7,05,58
